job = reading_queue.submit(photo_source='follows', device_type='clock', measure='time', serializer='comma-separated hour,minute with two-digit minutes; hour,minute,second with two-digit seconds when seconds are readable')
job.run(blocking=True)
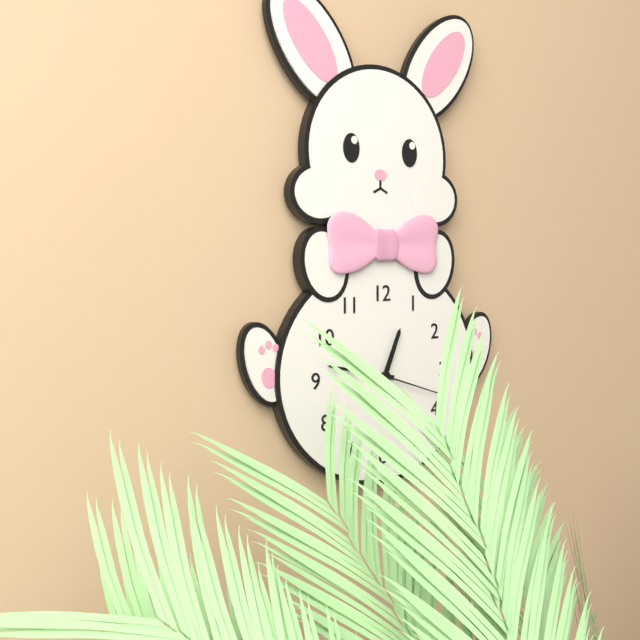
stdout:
12,47,18
